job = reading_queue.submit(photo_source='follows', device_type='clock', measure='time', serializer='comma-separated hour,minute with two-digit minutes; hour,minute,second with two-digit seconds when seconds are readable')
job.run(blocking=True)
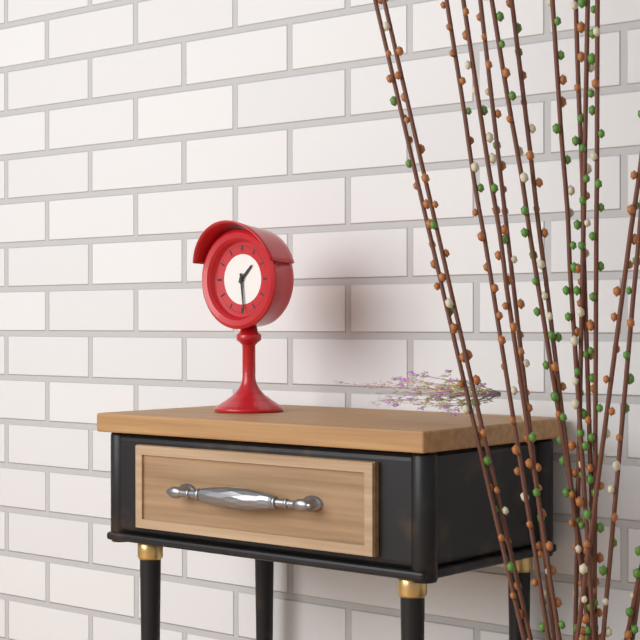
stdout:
1,29
